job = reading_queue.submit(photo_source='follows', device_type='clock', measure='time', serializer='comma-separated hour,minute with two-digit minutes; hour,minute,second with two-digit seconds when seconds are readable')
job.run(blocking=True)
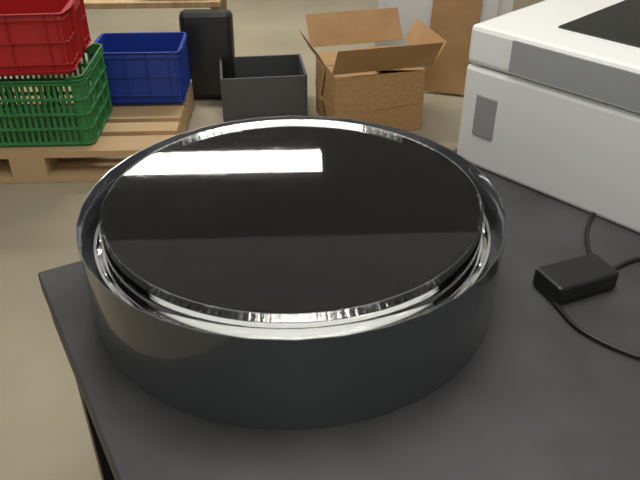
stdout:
4,44
